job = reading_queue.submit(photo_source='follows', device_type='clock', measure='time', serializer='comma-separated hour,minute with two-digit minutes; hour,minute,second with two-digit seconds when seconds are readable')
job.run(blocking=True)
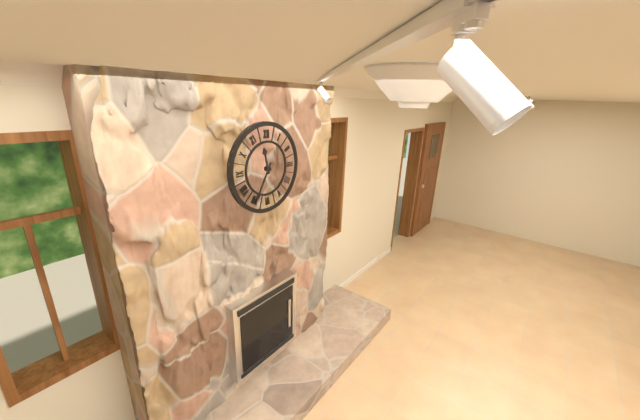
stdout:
11,35
